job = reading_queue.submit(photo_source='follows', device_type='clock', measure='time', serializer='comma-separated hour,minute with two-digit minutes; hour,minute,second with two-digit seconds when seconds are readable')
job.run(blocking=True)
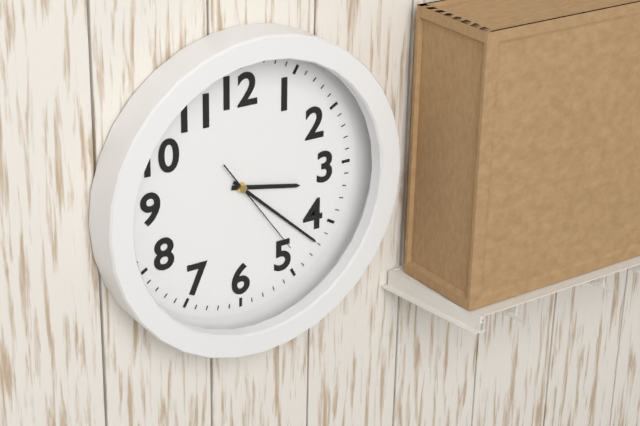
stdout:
3,22,24
